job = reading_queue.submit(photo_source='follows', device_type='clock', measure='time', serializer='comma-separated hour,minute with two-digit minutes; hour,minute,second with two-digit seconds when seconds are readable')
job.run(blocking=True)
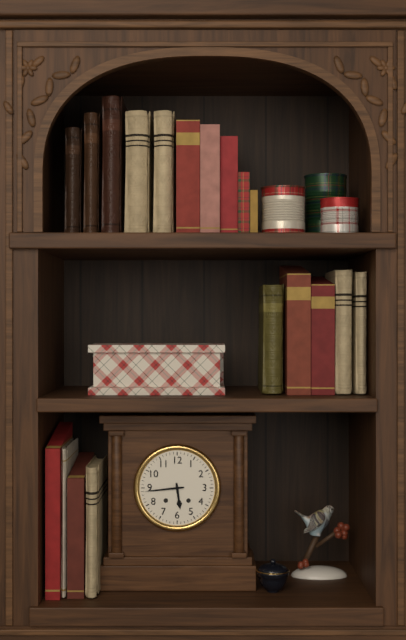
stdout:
5,44
